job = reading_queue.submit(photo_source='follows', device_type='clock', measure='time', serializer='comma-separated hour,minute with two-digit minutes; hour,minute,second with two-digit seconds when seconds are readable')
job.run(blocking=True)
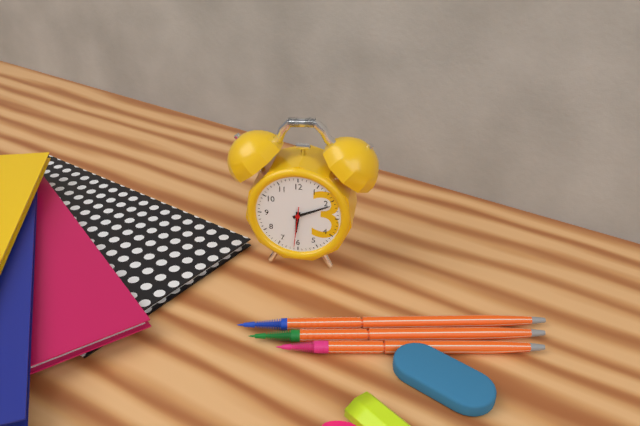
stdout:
6,11
